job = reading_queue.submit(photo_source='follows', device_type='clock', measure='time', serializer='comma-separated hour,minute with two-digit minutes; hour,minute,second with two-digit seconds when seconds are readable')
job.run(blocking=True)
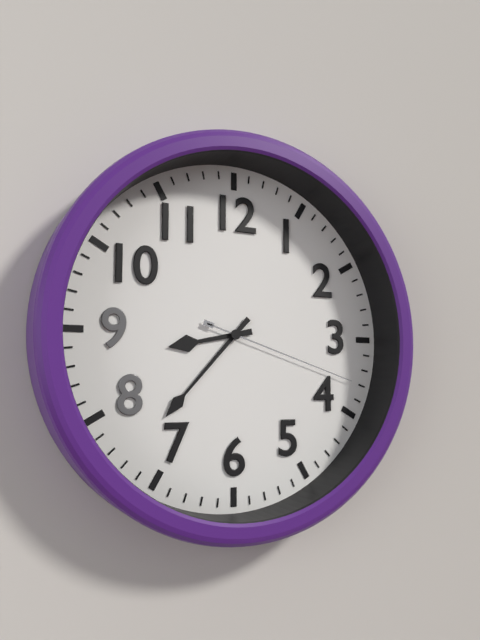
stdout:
8,37,18
